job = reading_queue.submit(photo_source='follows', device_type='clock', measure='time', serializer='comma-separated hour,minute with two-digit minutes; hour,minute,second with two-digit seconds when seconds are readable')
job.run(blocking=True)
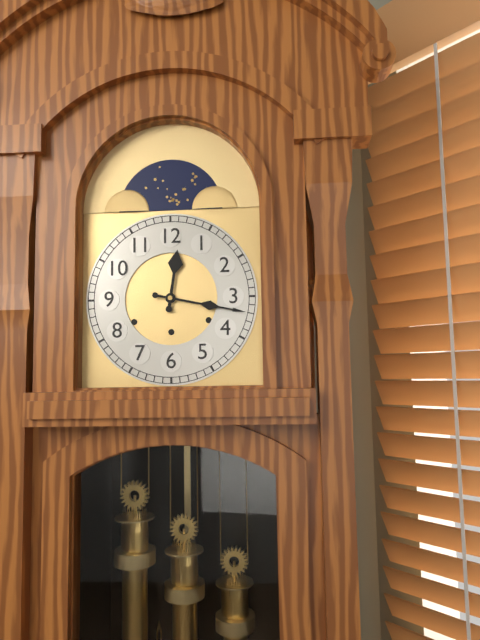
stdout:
12,17
